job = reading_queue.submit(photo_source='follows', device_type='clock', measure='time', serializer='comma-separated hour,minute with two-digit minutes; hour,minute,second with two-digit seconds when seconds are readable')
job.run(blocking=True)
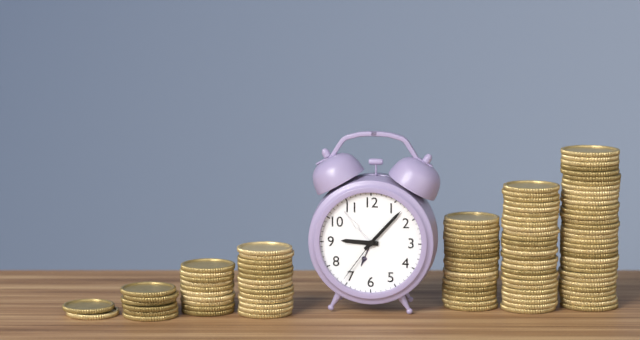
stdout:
9,07,36
